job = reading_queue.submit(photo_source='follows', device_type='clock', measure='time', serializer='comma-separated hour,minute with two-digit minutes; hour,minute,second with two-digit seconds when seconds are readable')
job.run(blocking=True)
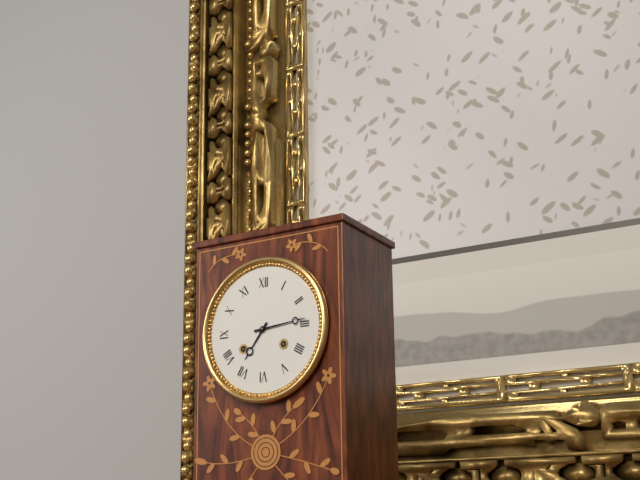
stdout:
7,14
